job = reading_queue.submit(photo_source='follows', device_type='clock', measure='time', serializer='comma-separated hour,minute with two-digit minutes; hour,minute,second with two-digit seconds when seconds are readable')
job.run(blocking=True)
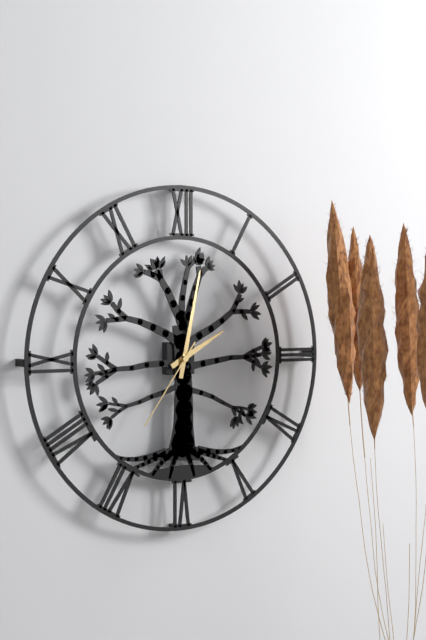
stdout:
2,02,36
